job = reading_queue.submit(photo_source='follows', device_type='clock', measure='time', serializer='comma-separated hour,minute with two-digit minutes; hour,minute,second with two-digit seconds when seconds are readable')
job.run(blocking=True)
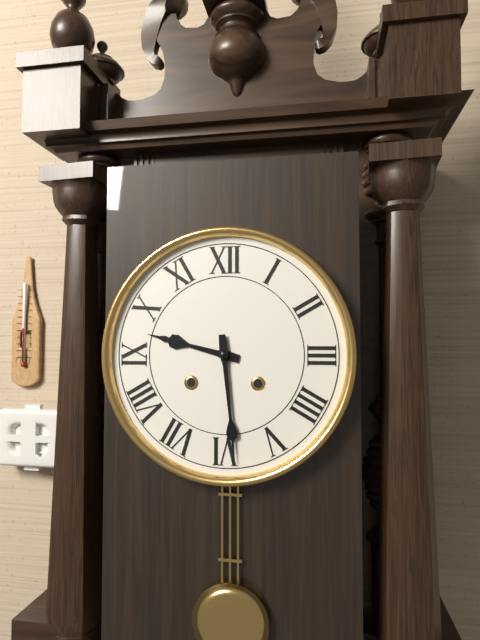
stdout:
9,29
